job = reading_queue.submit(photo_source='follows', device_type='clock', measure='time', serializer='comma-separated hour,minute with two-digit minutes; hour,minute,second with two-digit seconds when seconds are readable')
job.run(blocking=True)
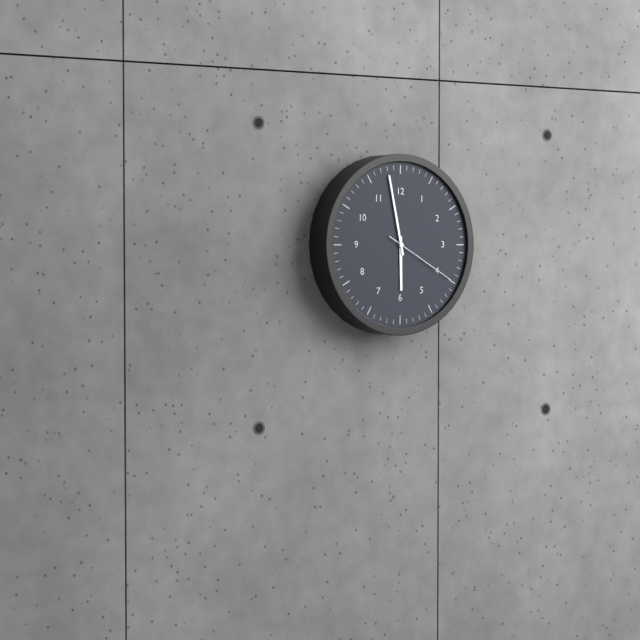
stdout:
5,58,20
